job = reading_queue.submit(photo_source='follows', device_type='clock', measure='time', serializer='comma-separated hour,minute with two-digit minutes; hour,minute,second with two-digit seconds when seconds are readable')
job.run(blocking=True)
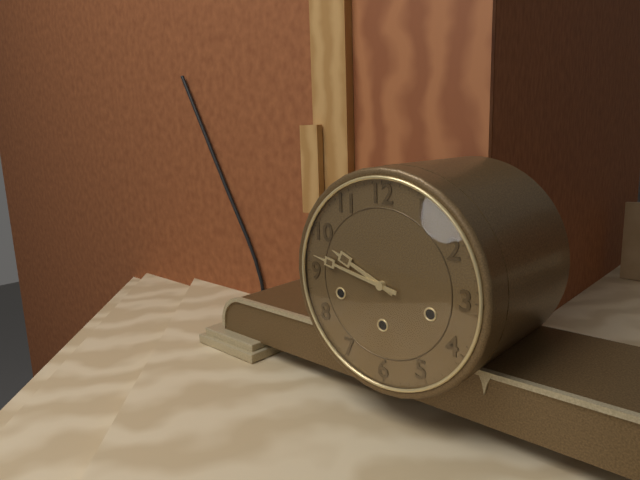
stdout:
9,47
